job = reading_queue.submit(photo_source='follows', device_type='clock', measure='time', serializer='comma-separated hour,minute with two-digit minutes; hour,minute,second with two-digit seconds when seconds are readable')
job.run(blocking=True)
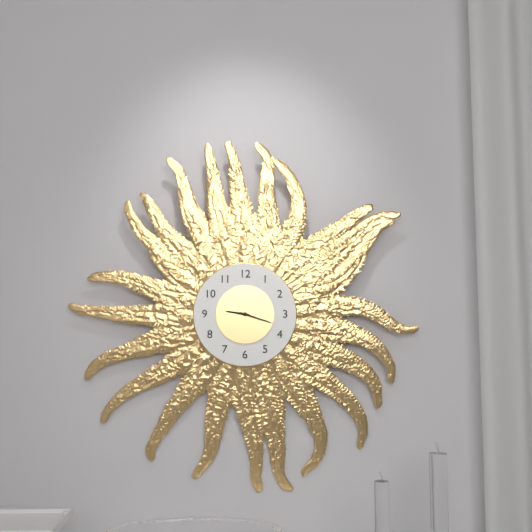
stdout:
9,18
